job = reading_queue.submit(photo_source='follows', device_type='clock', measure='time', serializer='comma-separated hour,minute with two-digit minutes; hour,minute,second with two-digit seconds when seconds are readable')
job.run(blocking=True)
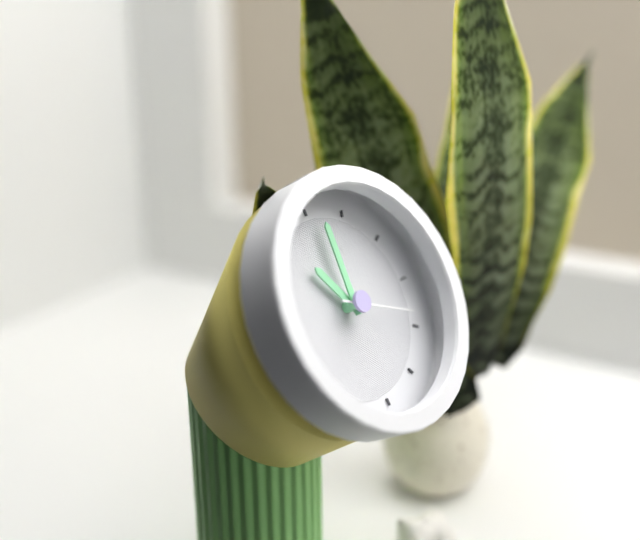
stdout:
11,01,19
